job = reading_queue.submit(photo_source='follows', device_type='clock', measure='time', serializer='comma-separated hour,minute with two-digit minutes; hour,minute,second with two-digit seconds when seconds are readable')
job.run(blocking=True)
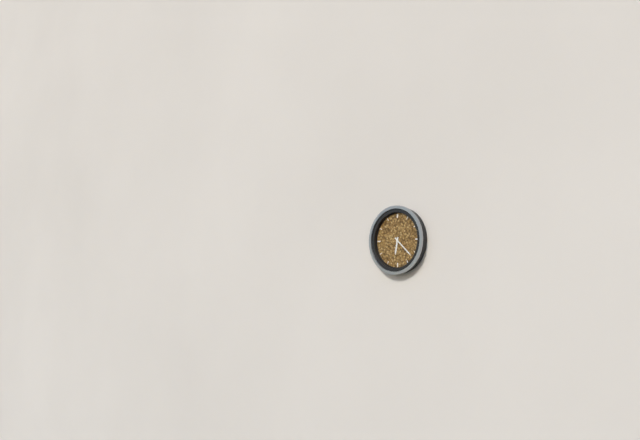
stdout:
6,22
